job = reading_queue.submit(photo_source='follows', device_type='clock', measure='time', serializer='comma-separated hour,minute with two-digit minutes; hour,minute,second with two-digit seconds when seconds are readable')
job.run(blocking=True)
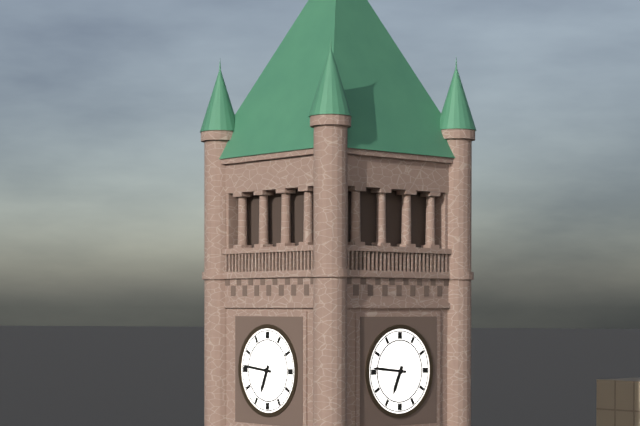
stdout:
6,46
